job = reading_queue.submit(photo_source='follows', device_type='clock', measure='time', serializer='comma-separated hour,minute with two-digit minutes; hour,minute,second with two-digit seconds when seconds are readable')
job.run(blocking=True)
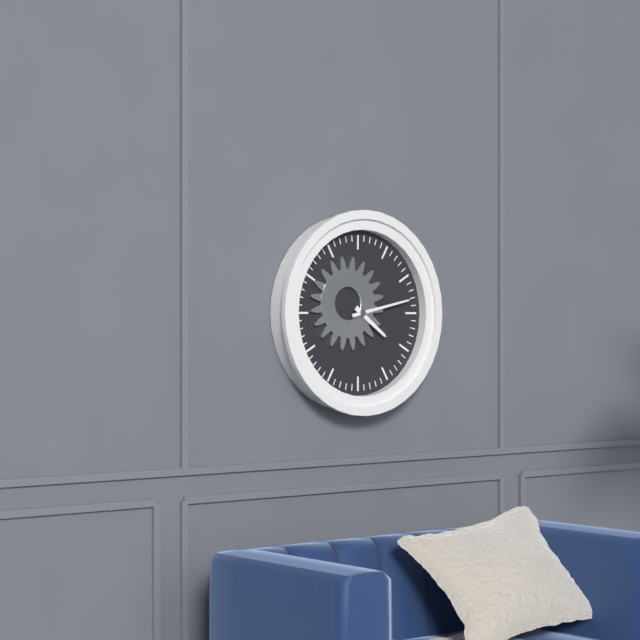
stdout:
4,13
